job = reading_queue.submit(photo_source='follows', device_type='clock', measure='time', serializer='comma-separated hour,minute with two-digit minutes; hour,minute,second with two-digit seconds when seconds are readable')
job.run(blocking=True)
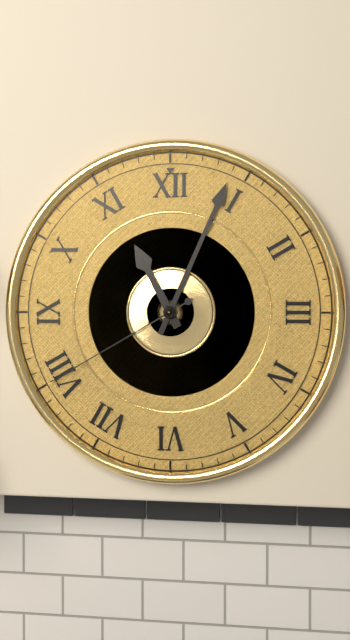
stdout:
11,04,40
